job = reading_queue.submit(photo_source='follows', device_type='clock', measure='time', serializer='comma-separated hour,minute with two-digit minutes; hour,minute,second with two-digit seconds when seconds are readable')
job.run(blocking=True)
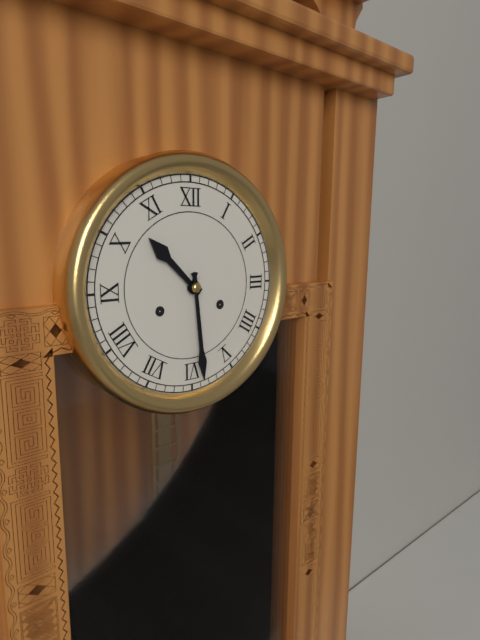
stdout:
10,29
